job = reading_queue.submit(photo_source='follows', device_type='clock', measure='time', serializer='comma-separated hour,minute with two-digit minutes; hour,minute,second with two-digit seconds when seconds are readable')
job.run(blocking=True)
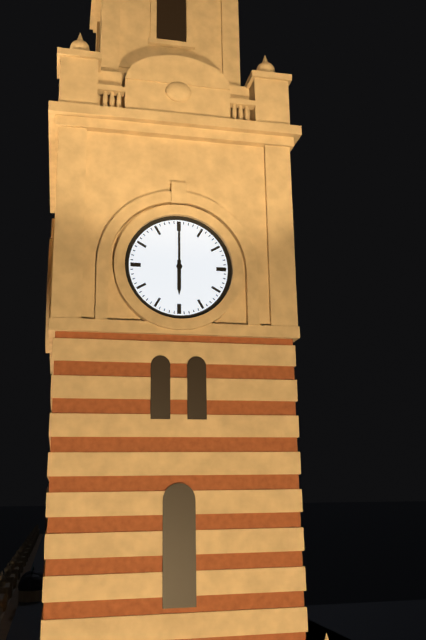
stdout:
6,00
